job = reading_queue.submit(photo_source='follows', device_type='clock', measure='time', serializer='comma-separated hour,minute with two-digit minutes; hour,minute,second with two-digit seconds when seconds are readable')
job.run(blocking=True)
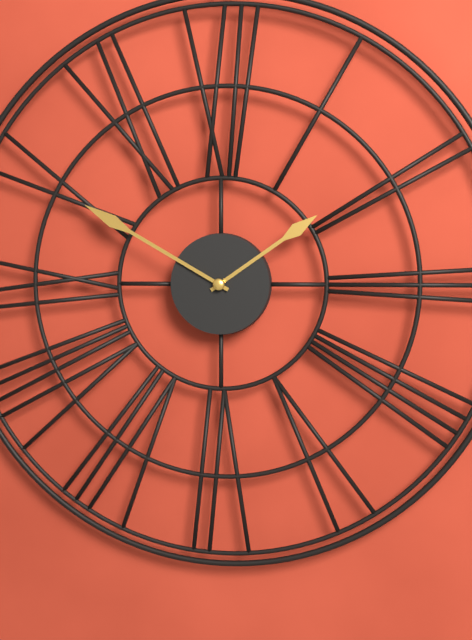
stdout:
1,50
